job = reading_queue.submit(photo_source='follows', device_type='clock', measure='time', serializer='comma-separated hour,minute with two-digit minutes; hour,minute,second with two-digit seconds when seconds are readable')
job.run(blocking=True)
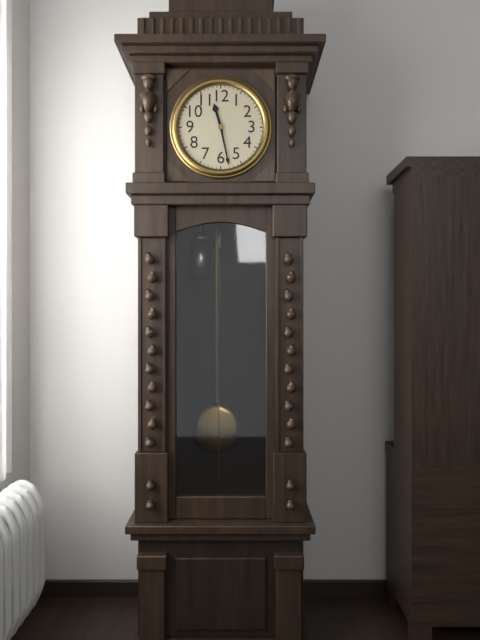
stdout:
11,28
